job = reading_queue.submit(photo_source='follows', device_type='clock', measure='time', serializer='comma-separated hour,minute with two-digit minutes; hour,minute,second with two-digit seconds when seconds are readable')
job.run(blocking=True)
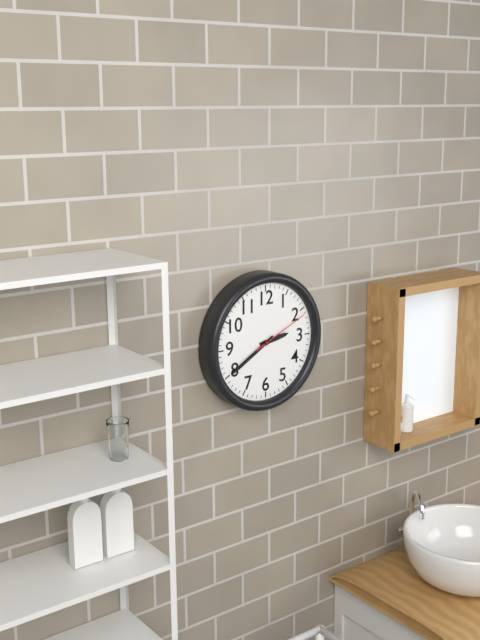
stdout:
2,40,11
